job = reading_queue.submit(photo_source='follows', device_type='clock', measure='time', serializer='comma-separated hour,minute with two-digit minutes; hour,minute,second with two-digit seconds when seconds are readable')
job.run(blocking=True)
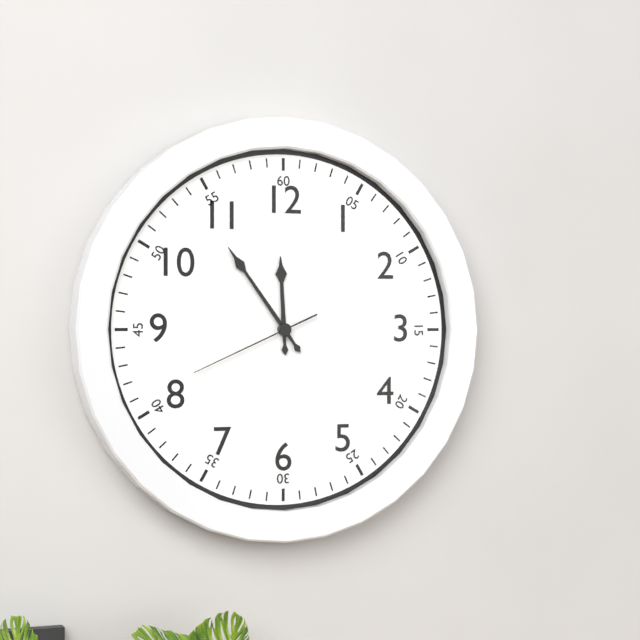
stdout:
11,54,41
